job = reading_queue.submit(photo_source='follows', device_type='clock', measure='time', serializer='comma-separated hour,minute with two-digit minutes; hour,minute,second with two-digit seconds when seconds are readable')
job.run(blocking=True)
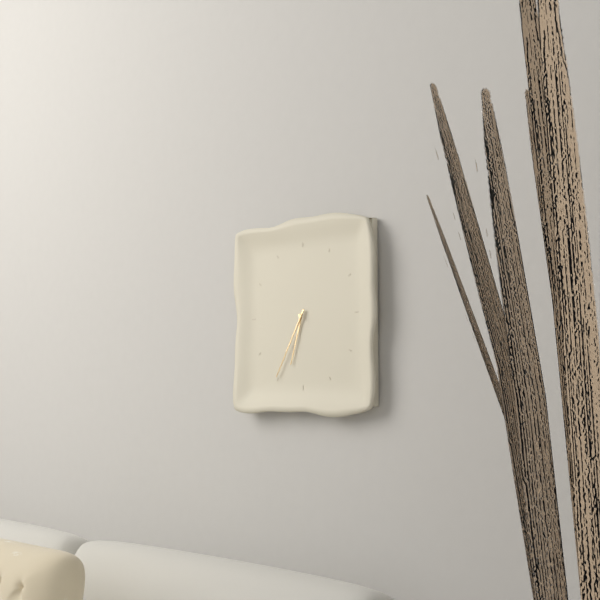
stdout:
6,35
